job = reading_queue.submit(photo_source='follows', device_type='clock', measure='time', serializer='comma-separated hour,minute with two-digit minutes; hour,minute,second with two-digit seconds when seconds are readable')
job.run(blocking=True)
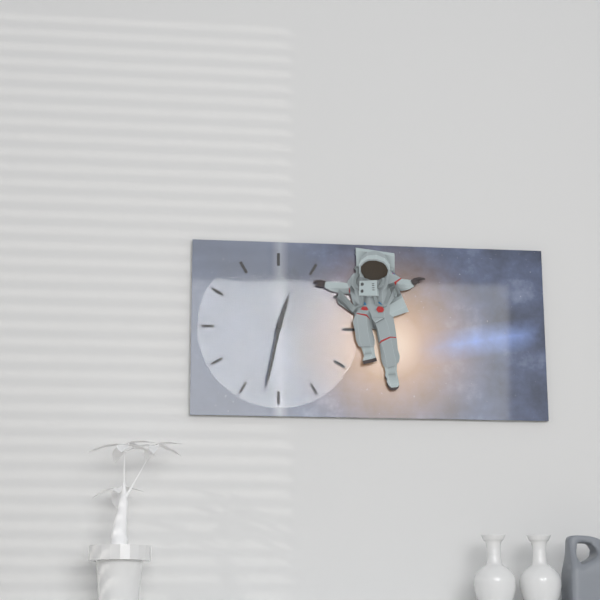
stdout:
12,32
